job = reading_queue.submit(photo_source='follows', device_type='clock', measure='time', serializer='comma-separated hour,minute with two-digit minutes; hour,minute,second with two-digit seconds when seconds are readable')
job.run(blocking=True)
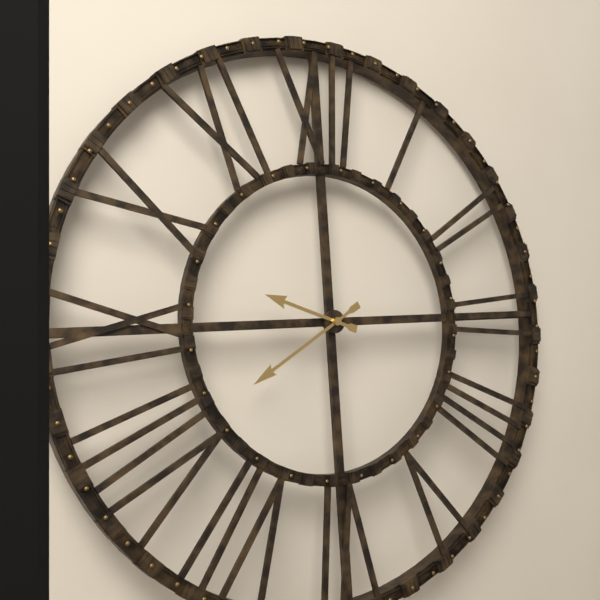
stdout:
9,40
